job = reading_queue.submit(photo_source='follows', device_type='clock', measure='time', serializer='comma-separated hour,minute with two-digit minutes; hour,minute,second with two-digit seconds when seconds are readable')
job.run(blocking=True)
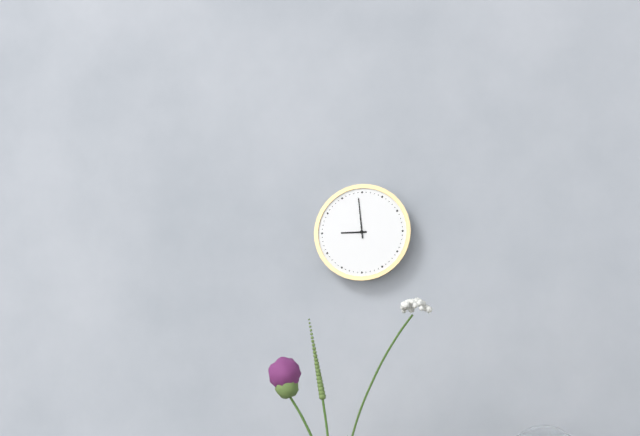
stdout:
8,59
